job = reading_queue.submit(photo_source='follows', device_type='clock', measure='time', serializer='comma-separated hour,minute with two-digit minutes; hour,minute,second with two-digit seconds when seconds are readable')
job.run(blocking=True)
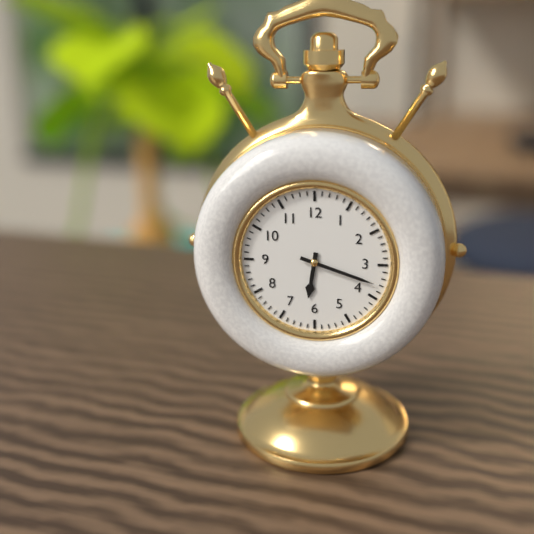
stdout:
6,18
